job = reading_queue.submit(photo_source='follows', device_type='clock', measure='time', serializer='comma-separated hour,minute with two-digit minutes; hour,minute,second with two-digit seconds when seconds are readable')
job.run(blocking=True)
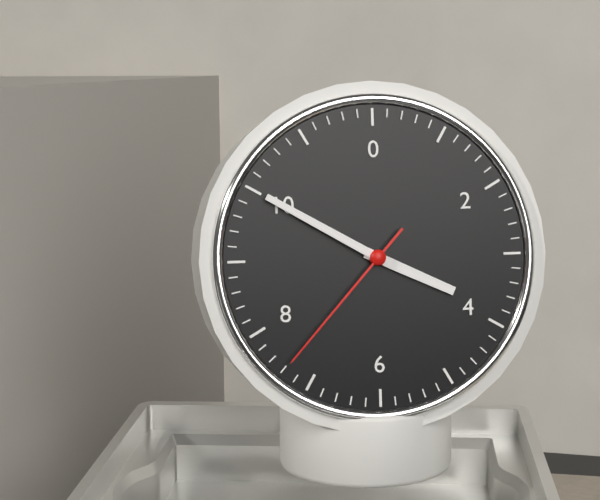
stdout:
3,50,37
